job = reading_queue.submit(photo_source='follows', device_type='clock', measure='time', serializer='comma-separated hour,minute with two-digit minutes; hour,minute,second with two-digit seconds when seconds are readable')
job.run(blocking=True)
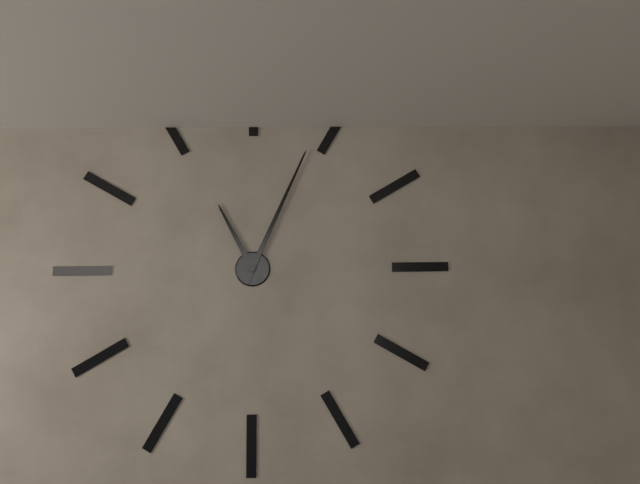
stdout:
11,04
